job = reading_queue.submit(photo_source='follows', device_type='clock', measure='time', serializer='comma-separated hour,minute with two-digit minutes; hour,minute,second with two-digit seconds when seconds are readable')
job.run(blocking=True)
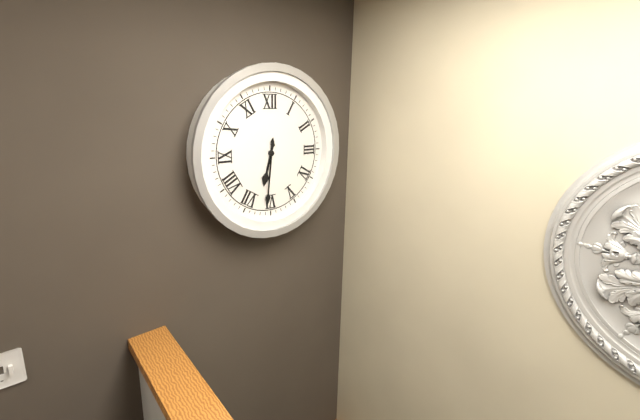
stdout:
6,31
